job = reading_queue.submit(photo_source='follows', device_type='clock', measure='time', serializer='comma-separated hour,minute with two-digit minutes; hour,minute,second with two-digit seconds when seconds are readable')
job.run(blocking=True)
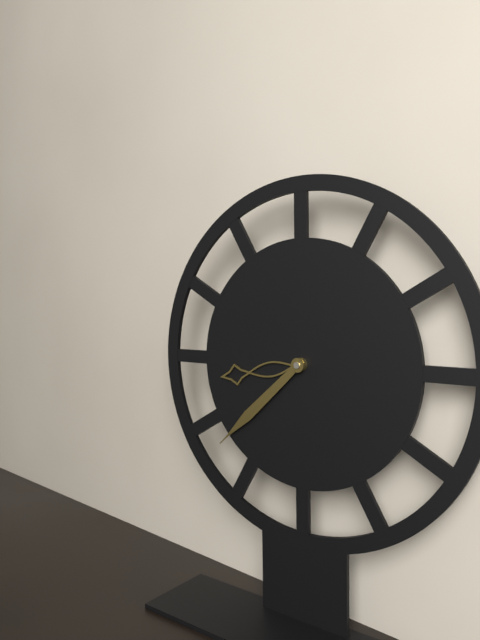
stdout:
8,38
